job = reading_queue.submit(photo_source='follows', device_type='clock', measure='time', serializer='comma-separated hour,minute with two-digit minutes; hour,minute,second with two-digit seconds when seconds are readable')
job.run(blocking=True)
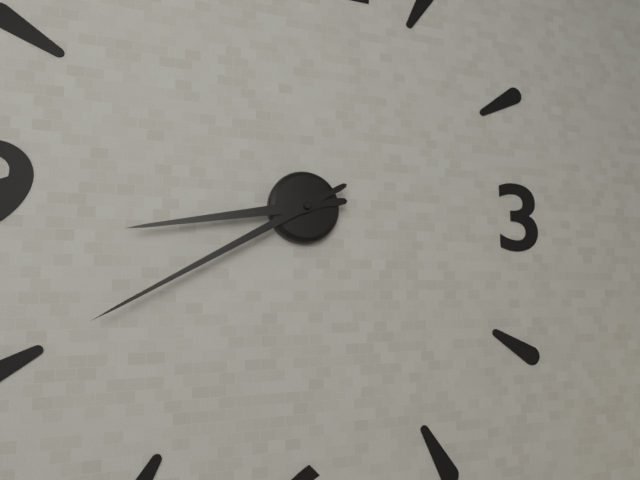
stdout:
8,40
